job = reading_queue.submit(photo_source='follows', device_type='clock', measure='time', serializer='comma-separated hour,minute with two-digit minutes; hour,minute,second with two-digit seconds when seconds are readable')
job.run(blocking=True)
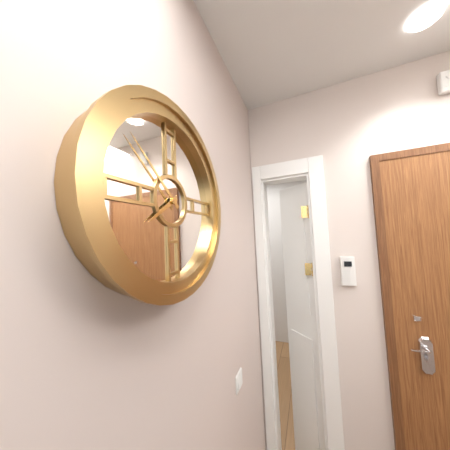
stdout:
7,52
